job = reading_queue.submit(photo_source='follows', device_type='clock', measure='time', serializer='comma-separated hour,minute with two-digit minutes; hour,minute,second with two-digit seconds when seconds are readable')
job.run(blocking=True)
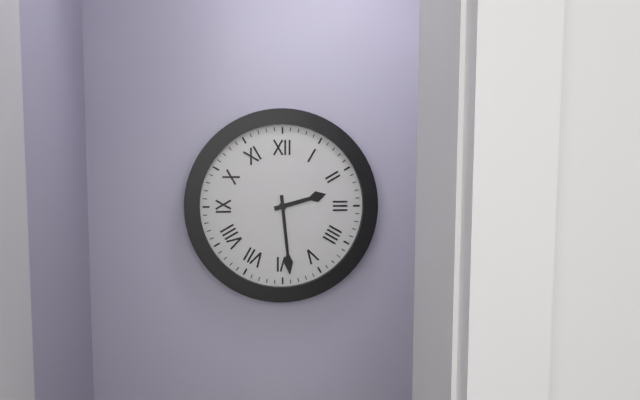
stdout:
2,29
